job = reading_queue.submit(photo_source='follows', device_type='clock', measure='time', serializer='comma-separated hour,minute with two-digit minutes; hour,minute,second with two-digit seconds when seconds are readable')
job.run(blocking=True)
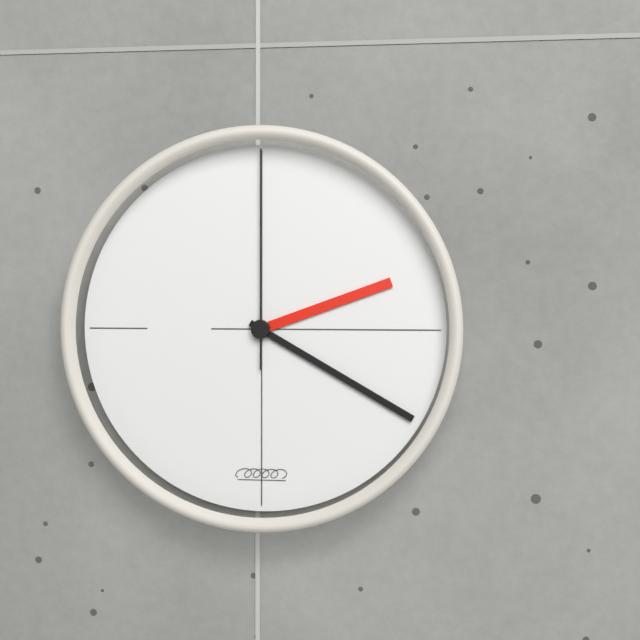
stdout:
2,20,00
